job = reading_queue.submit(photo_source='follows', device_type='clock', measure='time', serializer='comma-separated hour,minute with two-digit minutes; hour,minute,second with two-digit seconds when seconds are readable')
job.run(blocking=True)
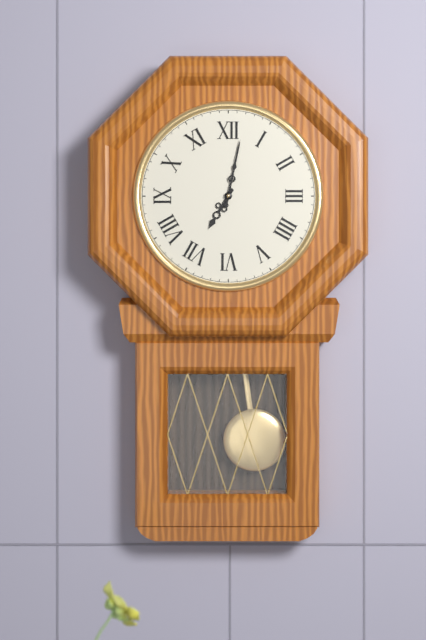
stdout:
7,02
